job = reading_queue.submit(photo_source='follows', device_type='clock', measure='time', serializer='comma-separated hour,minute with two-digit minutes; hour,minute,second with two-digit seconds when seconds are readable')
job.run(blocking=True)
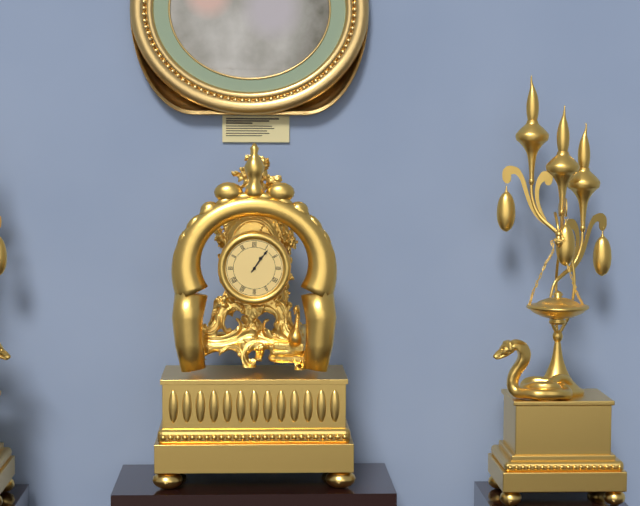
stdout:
1,06
